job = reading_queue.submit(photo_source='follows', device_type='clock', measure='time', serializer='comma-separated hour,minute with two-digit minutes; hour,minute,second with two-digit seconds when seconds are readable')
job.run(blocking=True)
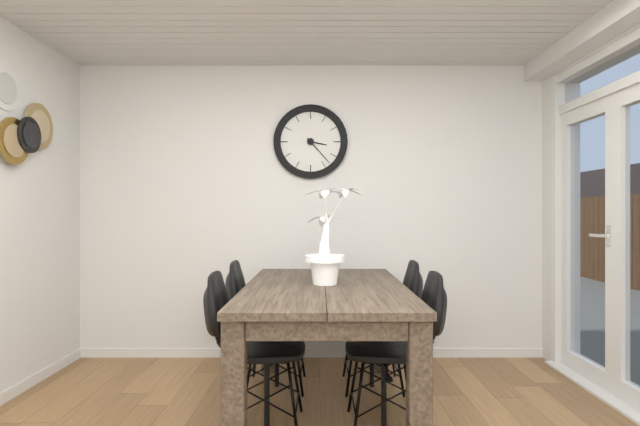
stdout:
3,23
